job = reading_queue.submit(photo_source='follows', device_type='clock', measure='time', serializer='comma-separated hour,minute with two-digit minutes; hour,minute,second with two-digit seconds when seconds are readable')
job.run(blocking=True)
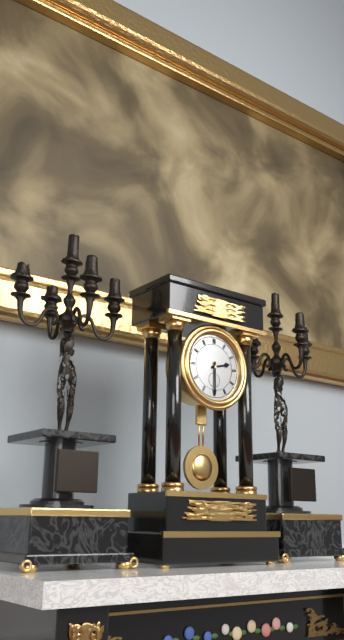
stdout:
2,30
